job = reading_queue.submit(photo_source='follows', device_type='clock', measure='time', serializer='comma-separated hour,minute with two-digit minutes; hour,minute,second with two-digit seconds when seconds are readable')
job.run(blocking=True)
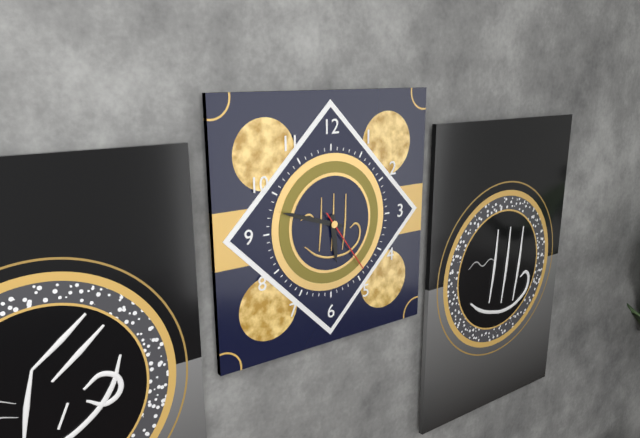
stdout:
5,48,24
